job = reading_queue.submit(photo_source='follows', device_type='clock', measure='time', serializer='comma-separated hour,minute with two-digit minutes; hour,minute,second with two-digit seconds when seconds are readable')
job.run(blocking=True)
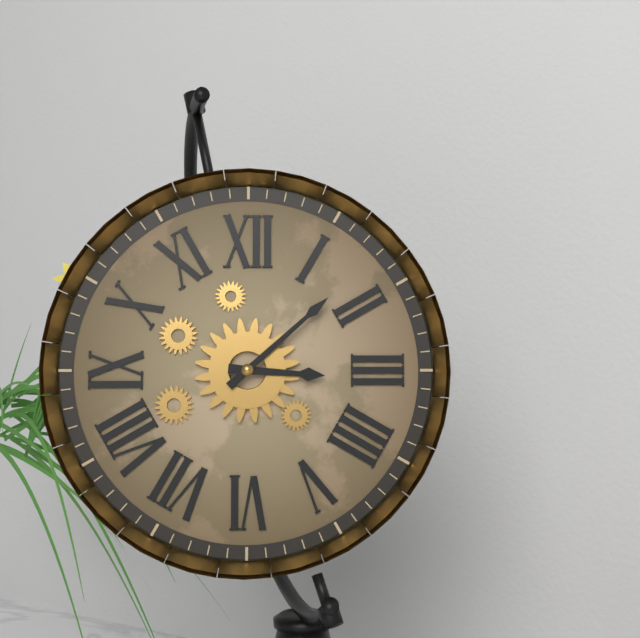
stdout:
3,08
